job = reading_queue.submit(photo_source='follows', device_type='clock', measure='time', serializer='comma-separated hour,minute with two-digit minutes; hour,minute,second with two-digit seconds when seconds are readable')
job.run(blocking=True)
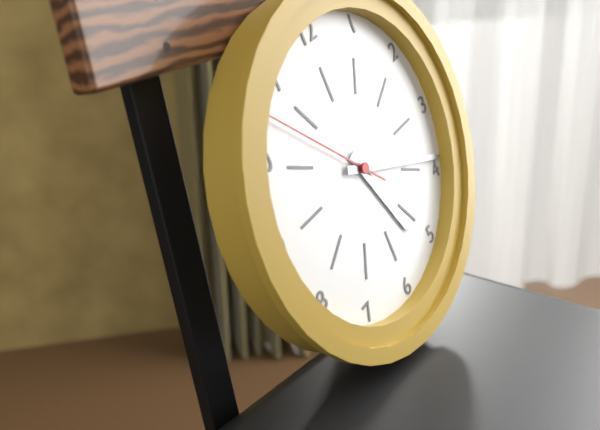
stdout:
5,19,53
